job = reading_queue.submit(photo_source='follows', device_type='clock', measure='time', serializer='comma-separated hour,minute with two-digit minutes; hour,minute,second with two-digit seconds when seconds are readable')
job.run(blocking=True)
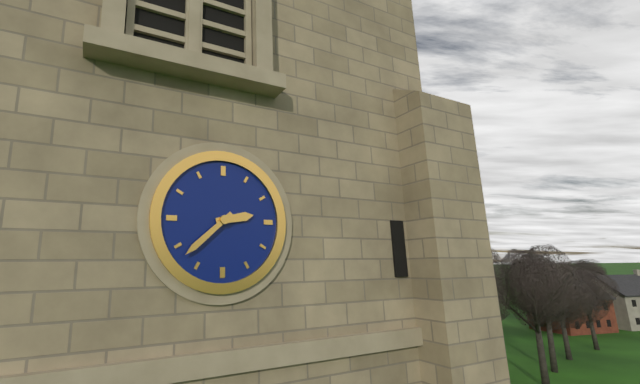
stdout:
2,38
